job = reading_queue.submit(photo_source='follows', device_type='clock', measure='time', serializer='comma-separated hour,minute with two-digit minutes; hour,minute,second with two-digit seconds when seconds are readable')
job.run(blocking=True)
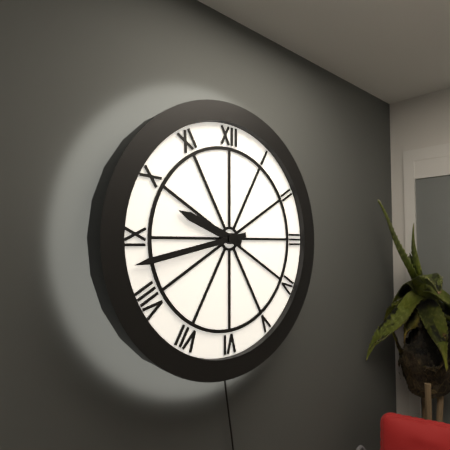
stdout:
9,43
